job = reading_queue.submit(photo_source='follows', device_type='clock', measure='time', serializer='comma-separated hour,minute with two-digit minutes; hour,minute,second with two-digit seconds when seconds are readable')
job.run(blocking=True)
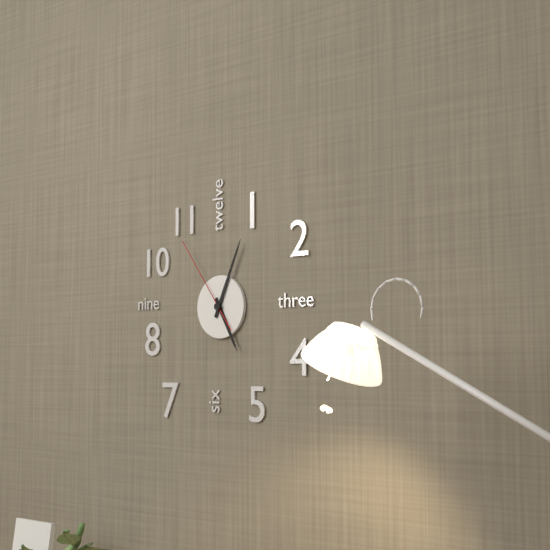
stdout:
5,04,54
